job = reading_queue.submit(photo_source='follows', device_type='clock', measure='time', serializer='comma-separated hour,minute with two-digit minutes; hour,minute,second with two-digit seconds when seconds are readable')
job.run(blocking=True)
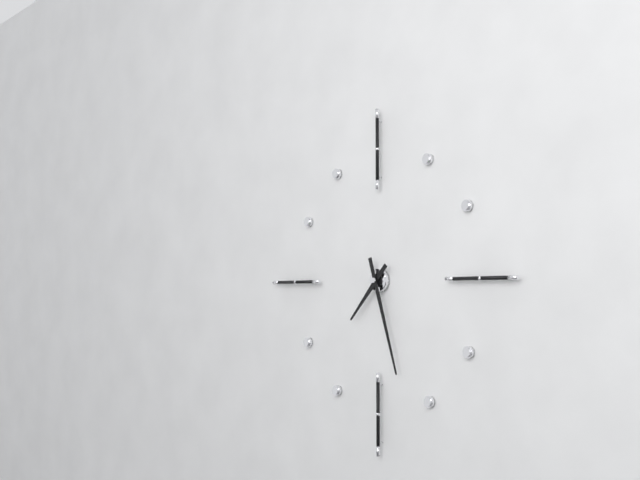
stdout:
7,27
